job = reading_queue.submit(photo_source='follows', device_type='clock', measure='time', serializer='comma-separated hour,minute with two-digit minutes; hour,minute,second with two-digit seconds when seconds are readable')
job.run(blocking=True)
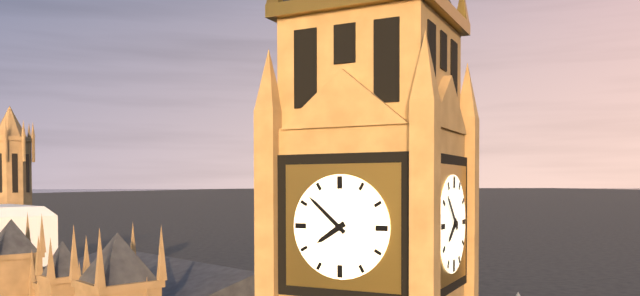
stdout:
7,52
